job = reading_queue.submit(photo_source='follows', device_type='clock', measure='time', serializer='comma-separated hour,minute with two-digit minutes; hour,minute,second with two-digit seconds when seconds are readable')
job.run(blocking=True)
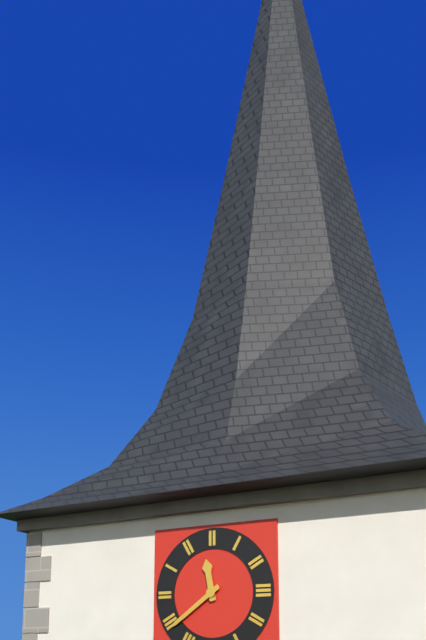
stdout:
11,39
